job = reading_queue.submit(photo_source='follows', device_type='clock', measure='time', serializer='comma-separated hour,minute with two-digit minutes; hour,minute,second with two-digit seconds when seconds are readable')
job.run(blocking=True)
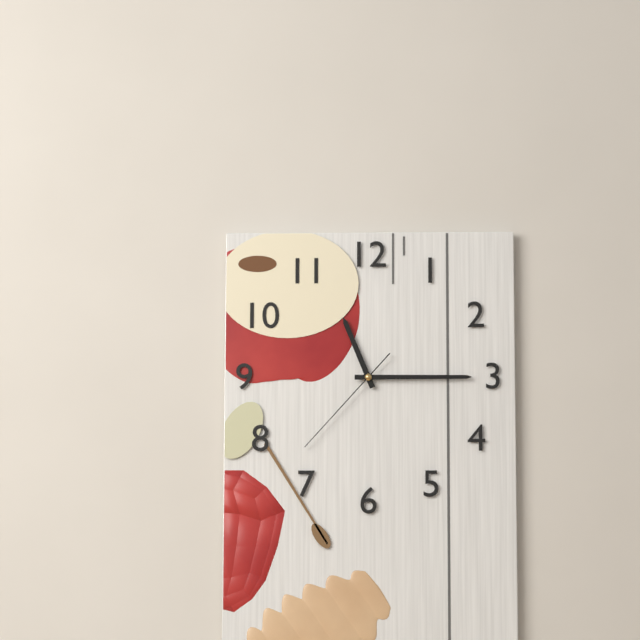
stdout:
11,15,37
